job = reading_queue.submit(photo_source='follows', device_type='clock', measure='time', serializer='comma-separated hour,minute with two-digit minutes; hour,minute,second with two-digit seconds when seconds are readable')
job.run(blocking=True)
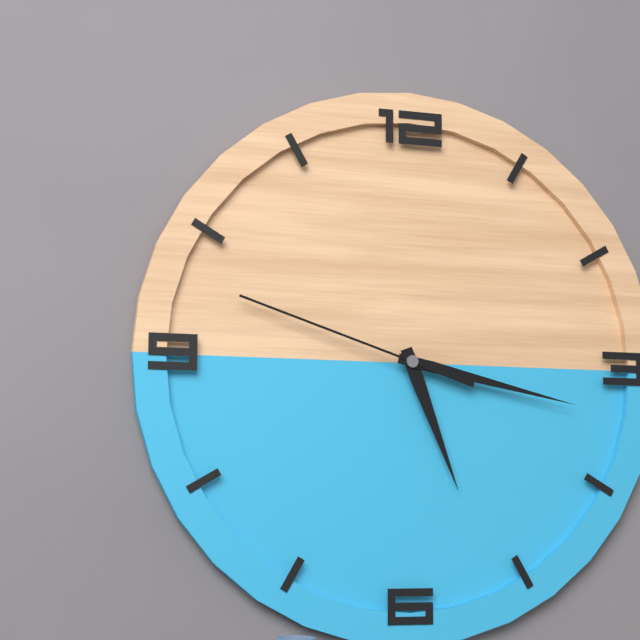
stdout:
5,17,48
